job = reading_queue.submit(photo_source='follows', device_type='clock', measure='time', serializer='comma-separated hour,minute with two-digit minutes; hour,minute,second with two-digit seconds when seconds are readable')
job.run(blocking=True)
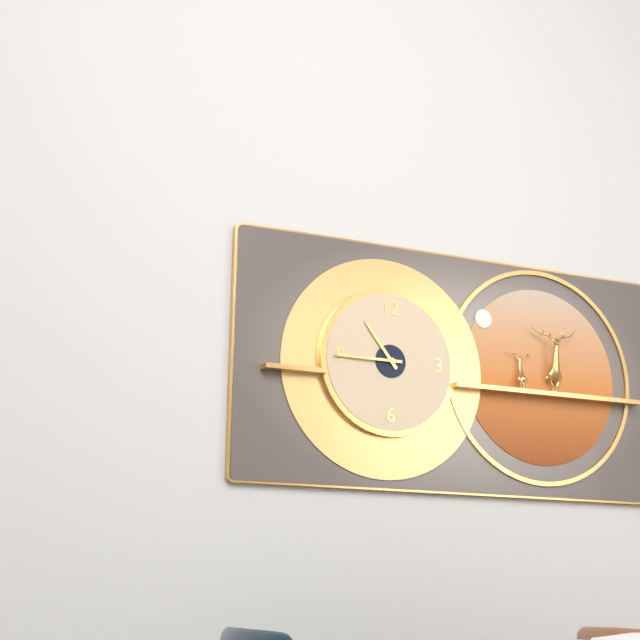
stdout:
10,45
